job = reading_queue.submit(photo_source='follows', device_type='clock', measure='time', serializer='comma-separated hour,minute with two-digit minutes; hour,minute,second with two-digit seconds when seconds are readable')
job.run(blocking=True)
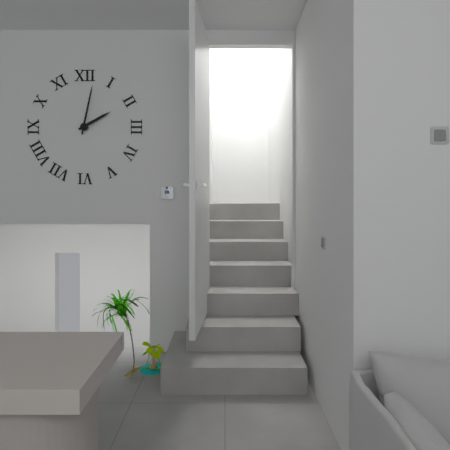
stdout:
2,02
